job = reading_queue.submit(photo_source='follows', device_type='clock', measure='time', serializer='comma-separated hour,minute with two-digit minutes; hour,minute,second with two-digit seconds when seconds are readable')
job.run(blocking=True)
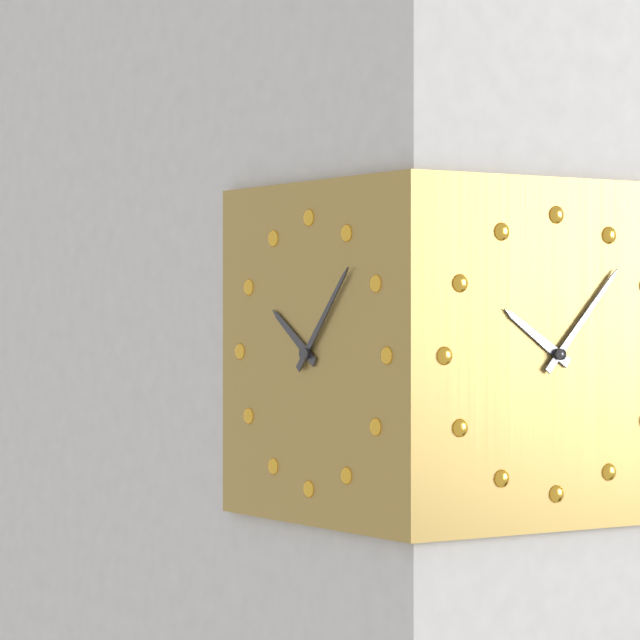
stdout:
10,07
